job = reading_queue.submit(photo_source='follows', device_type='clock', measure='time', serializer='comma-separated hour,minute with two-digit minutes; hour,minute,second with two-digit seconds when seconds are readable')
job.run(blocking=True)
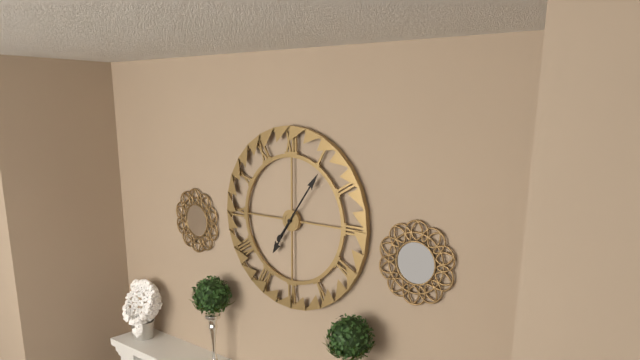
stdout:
7,06
